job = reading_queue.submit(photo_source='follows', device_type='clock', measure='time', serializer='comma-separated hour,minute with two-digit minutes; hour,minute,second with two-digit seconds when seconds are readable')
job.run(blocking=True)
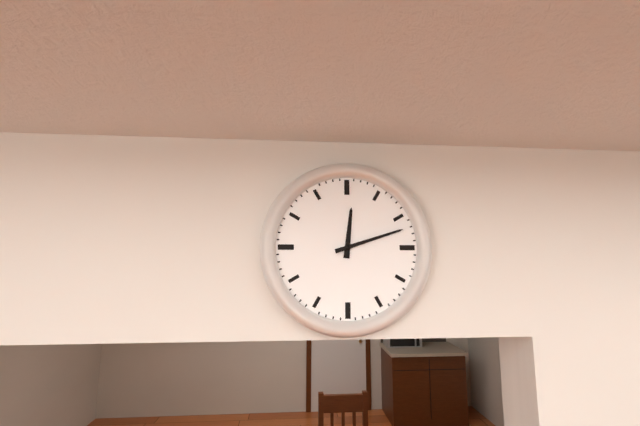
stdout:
12,12
